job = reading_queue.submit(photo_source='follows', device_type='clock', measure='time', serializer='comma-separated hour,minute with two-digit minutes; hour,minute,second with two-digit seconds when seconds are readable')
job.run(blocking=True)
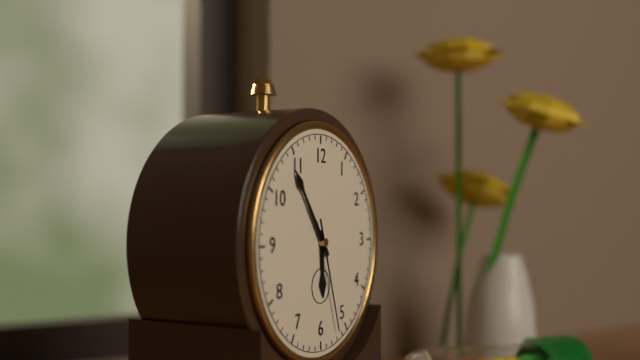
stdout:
5,54,27
